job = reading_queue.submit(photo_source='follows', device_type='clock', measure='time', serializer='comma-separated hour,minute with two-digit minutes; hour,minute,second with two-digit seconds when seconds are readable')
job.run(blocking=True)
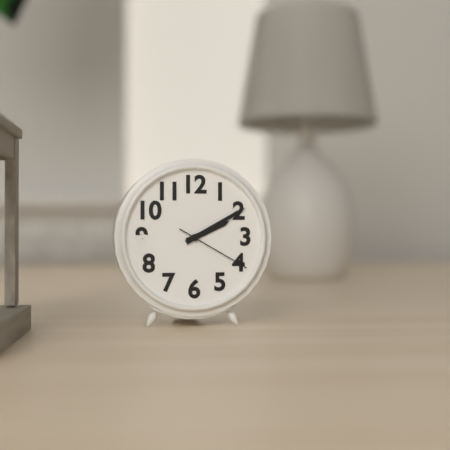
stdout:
2,10,20
